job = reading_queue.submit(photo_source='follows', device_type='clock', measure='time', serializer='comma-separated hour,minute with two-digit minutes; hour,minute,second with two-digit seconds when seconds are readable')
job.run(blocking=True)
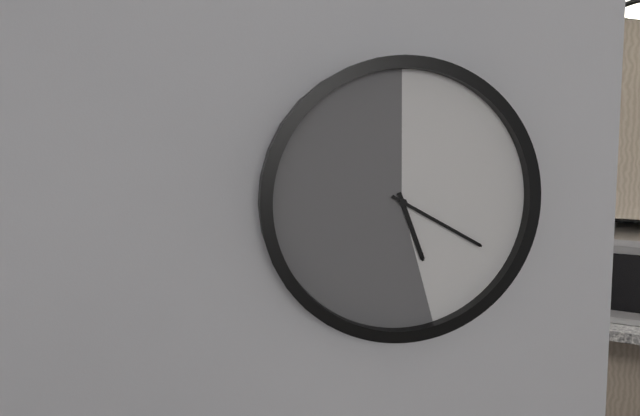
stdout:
5,20
